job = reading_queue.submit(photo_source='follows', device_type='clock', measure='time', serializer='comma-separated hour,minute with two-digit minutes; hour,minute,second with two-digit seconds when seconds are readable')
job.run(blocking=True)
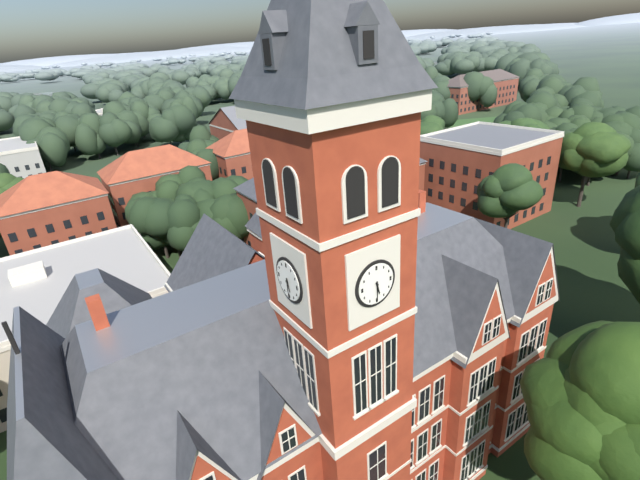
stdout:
5,30
